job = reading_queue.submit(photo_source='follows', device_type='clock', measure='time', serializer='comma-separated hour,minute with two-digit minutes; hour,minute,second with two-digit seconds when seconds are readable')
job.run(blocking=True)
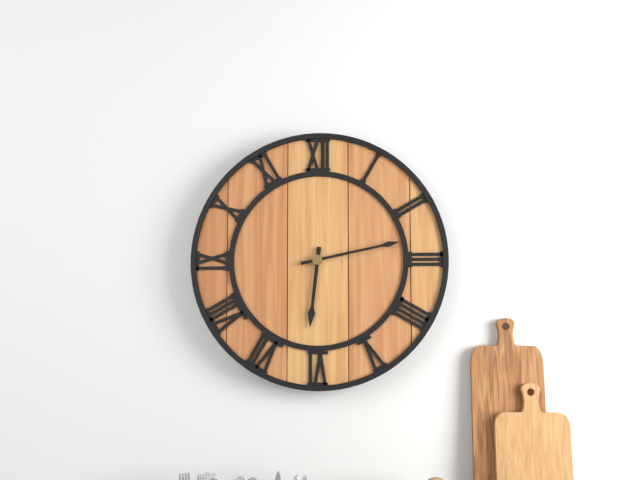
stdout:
6,13
